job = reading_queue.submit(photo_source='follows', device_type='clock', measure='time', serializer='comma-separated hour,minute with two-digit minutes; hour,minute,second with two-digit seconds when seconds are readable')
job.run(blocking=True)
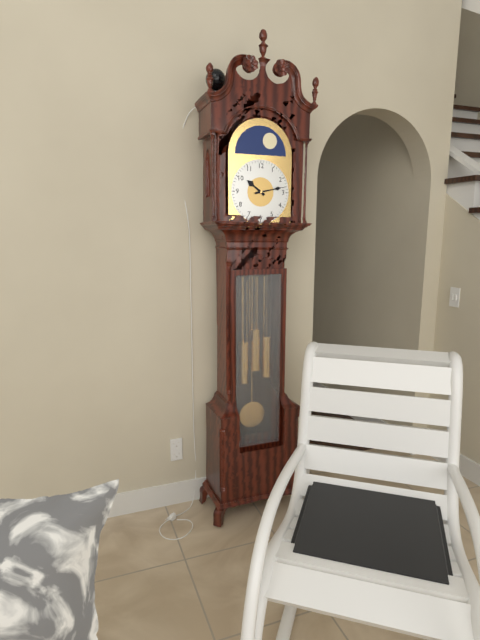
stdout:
10,13
